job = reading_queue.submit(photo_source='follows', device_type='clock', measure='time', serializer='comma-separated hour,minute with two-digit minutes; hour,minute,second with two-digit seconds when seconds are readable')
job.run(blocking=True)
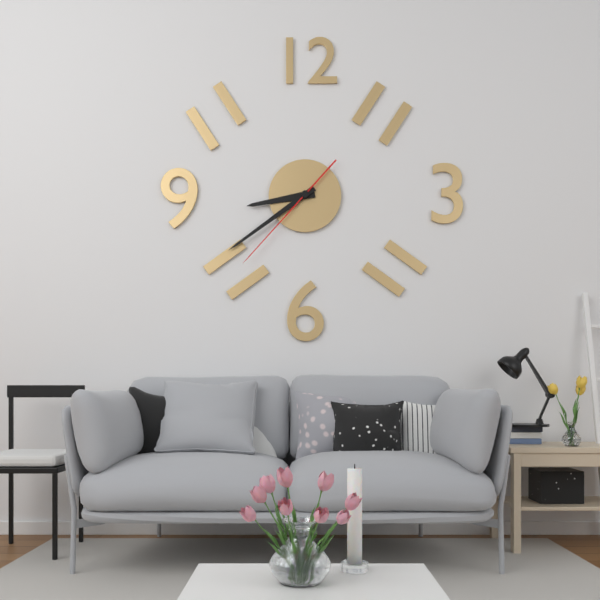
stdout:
8,39,37
